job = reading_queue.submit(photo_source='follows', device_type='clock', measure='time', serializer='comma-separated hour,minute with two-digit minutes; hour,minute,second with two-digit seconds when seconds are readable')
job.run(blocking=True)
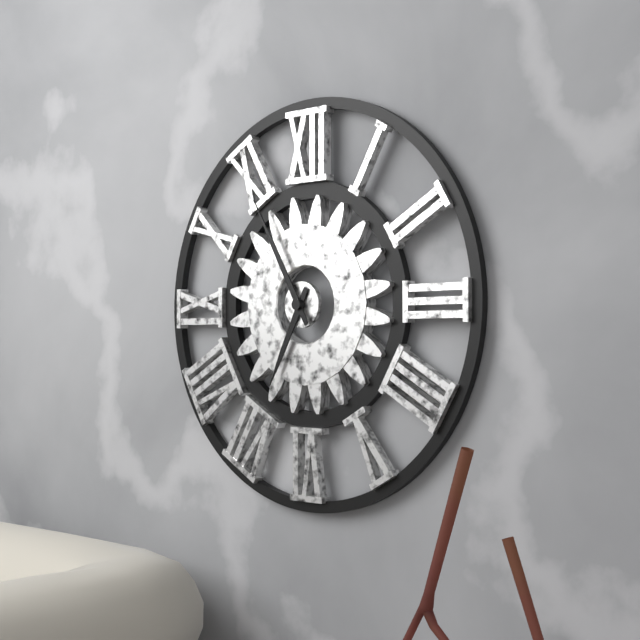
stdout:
6,55
